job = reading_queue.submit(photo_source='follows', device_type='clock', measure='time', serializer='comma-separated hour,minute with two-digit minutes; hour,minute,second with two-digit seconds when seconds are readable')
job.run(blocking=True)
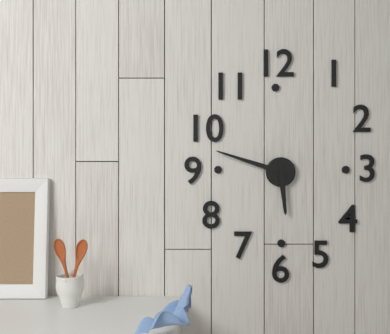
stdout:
5,48
